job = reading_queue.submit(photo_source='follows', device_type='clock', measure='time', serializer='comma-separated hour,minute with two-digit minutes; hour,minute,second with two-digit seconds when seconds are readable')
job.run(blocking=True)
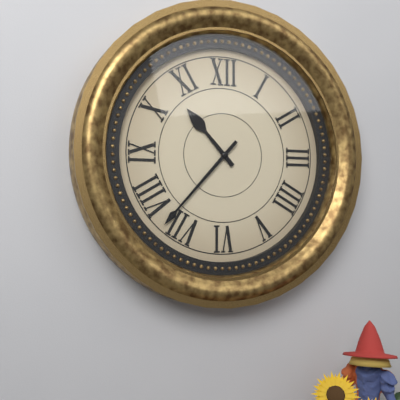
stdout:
10,37
